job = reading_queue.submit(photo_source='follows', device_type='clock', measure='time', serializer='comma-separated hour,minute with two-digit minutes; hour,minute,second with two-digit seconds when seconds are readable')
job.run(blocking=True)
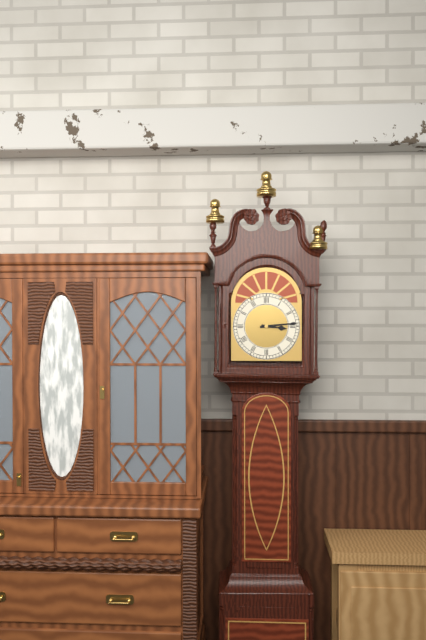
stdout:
3,14
